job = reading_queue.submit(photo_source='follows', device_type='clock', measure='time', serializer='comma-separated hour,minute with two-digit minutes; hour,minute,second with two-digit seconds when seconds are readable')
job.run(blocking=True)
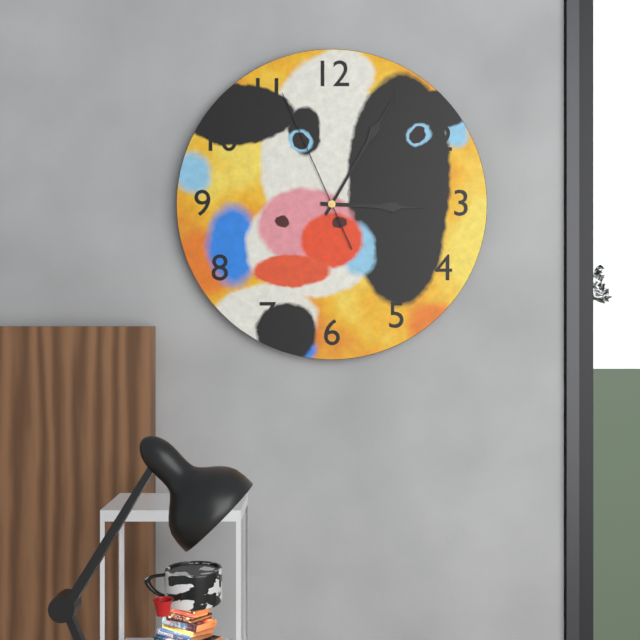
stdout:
3,05,56
